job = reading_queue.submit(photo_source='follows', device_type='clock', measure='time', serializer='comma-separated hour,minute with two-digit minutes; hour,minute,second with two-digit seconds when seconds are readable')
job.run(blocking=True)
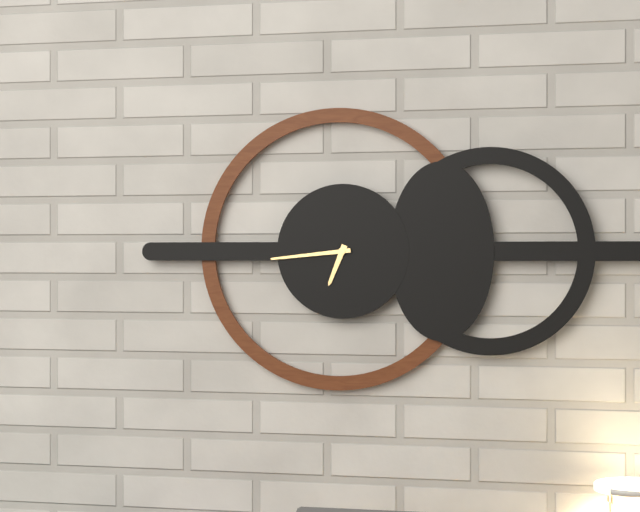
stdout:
6,44
